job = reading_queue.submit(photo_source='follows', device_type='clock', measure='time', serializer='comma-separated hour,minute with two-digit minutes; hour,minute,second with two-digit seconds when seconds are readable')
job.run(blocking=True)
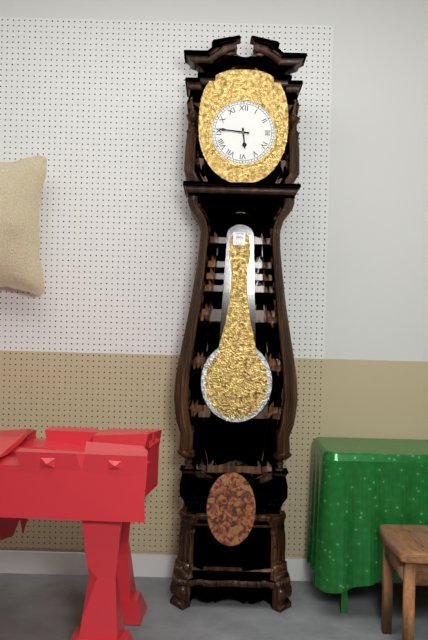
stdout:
5,46
